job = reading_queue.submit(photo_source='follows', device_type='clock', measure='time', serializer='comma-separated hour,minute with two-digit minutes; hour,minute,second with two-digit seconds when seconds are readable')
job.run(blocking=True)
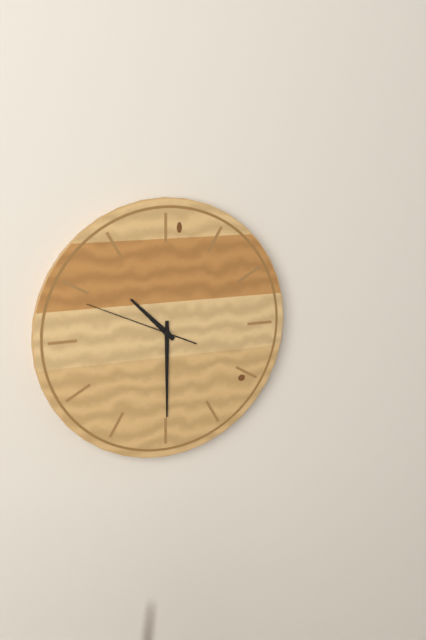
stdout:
10,30,49
